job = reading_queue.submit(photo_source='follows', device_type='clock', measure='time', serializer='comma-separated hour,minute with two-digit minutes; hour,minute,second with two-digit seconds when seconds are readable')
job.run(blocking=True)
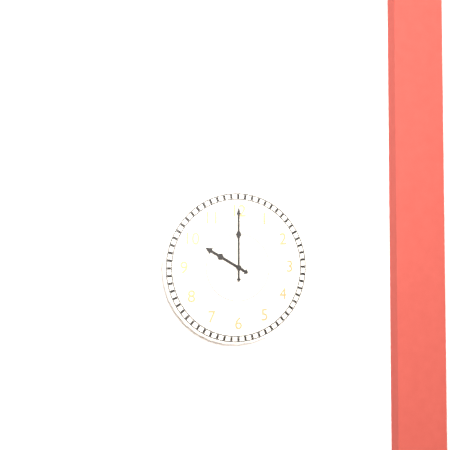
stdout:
10,00
